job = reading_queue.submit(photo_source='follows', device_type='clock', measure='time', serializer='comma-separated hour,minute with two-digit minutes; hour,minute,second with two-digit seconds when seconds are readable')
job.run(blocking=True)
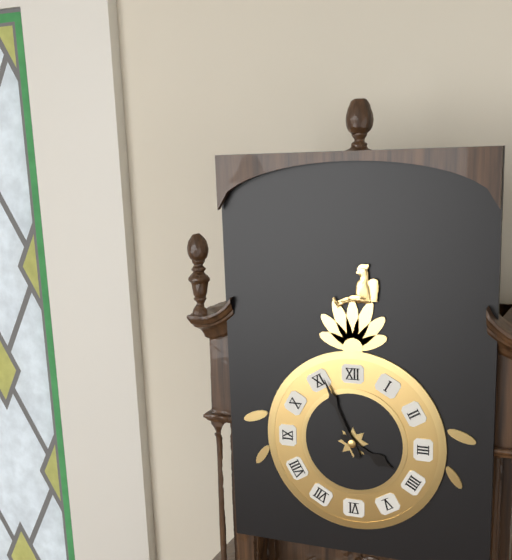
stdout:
3,56
